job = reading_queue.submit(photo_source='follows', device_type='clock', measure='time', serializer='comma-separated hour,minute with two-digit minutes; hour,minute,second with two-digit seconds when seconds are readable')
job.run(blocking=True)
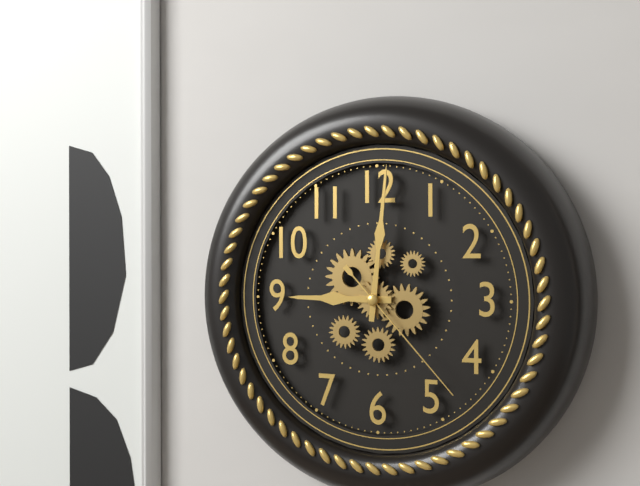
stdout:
9,01,23
